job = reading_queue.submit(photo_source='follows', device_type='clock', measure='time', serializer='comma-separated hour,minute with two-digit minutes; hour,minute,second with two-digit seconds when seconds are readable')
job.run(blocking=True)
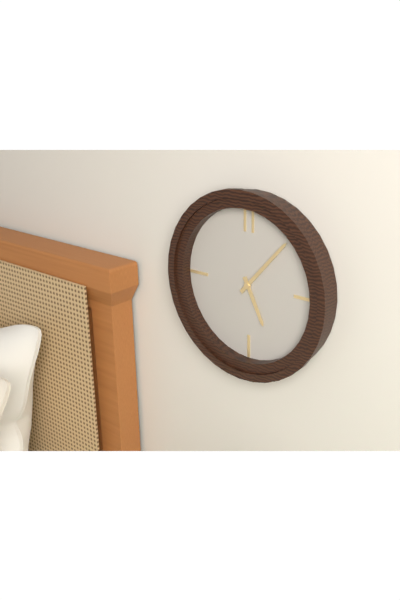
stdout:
5,07
